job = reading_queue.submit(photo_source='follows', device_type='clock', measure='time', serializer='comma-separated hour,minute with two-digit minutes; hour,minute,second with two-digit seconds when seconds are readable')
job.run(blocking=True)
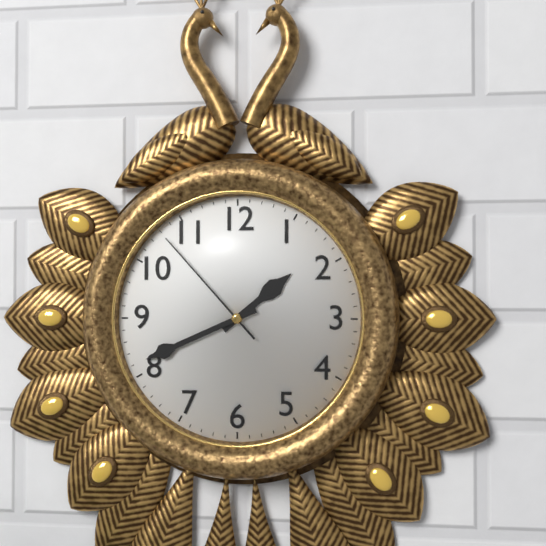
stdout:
1,41,53
